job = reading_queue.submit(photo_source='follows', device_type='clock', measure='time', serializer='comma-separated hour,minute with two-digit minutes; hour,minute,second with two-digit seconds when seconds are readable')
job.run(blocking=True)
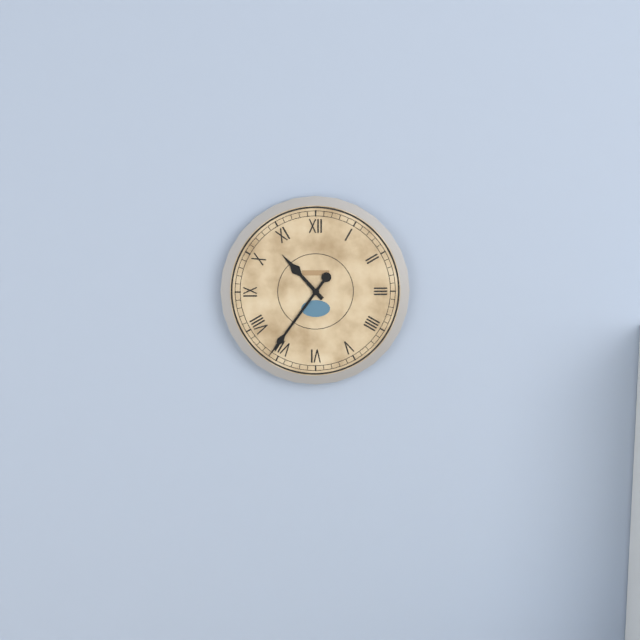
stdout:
10,36
